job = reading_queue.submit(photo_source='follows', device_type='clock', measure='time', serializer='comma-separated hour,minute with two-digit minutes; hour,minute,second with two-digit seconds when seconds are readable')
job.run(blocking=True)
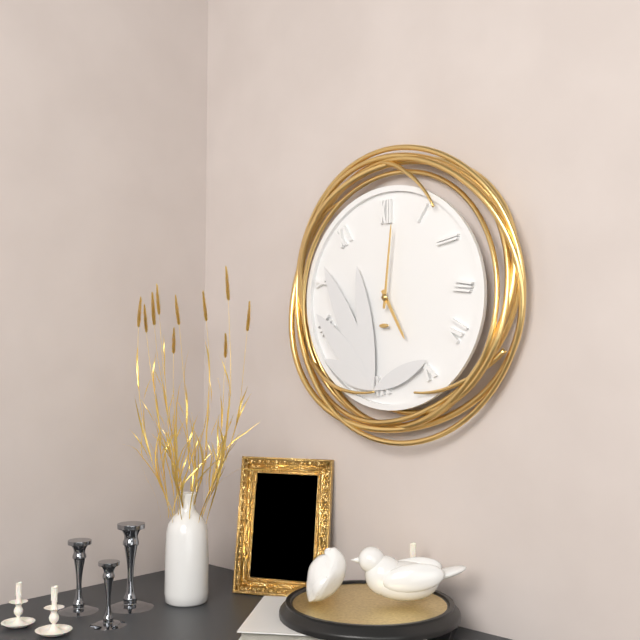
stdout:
5,01
